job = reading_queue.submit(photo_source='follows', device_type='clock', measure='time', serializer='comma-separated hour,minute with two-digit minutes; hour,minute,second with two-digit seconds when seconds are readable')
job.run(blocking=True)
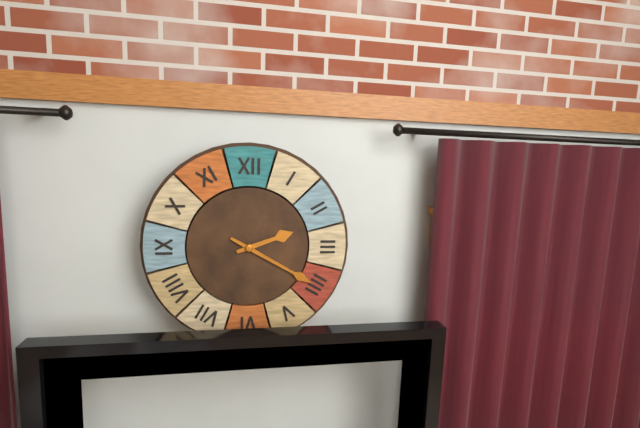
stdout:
2,20
